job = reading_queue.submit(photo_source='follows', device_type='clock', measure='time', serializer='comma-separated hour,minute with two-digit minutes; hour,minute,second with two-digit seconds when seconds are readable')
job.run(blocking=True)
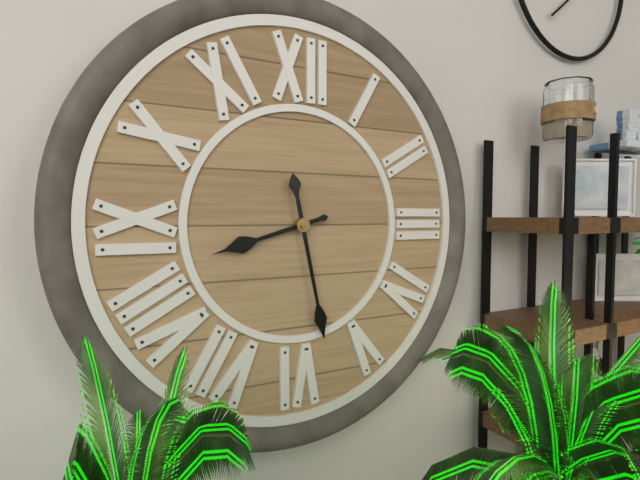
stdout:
8,28
